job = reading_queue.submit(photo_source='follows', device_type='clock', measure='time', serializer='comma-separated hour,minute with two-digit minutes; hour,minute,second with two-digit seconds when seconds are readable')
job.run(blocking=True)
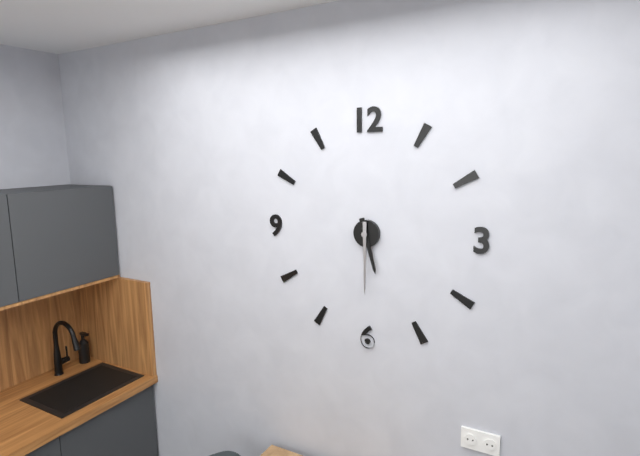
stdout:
5,30
